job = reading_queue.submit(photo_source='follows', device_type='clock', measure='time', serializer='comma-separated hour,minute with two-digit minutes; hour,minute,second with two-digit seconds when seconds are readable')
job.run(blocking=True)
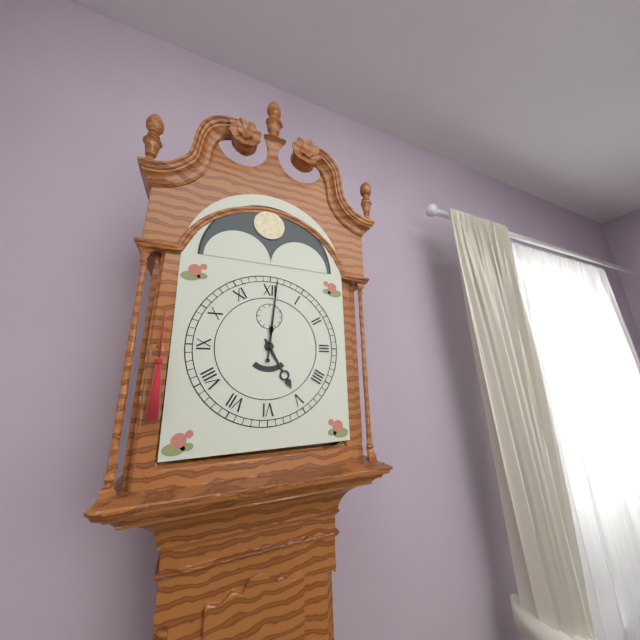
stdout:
5,01
